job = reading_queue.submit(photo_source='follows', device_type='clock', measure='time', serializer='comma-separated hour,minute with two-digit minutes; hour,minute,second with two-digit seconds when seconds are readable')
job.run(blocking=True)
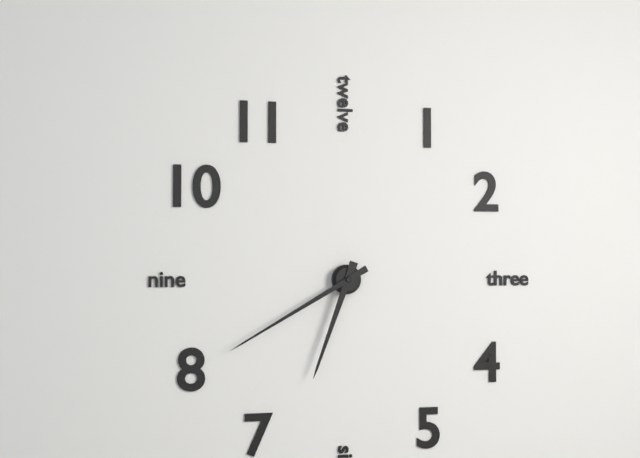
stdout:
6,40
